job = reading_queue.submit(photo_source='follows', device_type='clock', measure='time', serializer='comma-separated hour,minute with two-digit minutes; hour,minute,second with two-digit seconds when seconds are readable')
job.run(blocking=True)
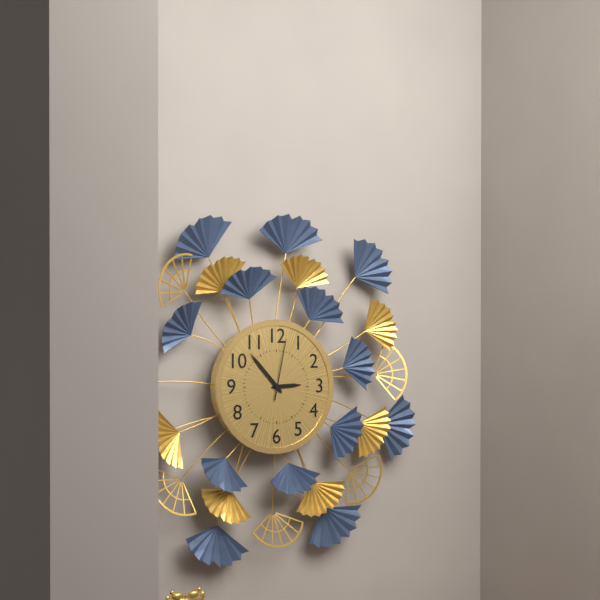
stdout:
2,53,02
